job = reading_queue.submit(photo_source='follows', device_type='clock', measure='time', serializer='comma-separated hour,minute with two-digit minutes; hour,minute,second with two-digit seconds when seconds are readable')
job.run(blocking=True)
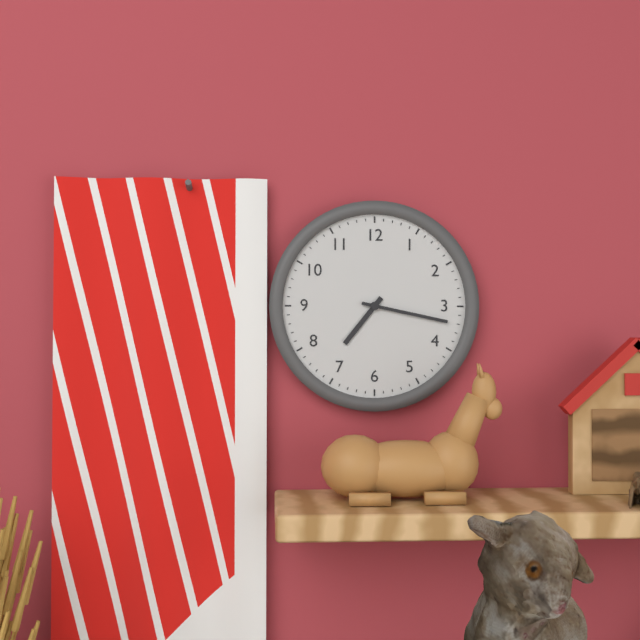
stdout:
7,17
